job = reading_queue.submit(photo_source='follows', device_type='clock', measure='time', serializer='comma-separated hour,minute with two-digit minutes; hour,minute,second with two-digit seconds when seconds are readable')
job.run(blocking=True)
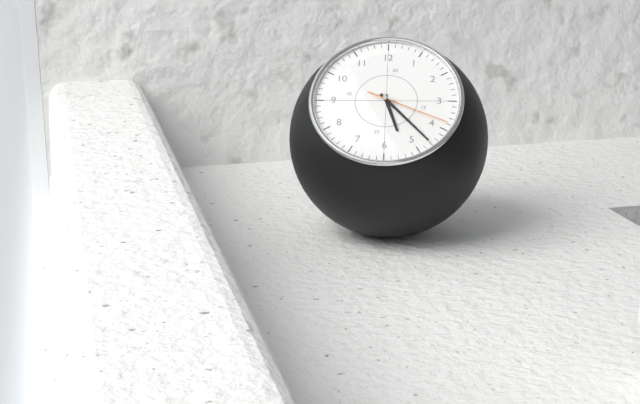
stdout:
5,23,19
